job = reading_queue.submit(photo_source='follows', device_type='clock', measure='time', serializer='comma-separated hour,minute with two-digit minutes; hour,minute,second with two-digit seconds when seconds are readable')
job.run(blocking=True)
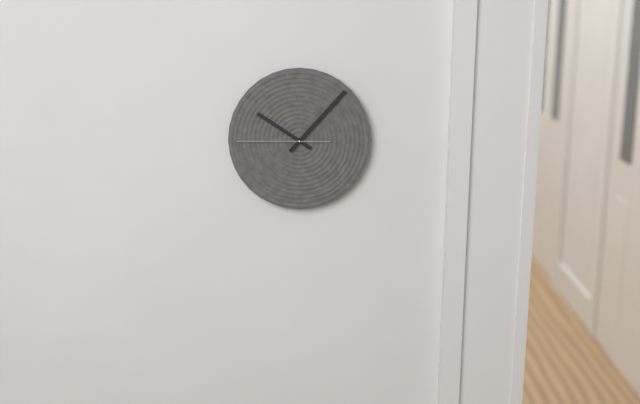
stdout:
10,07,45
